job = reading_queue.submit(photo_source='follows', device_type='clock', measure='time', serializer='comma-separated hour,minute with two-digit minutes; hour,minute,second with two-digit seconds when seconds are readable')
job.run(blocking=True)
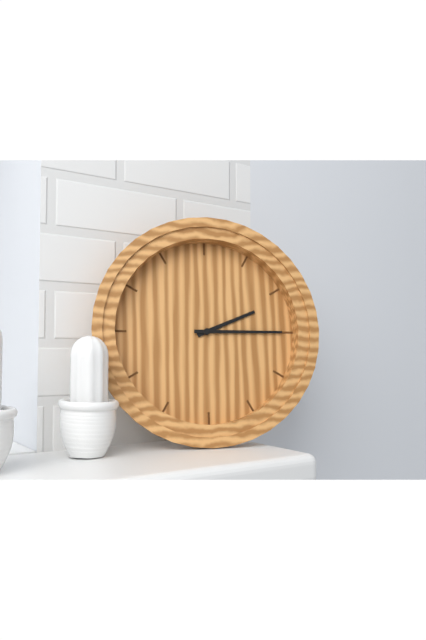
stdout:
2,15
